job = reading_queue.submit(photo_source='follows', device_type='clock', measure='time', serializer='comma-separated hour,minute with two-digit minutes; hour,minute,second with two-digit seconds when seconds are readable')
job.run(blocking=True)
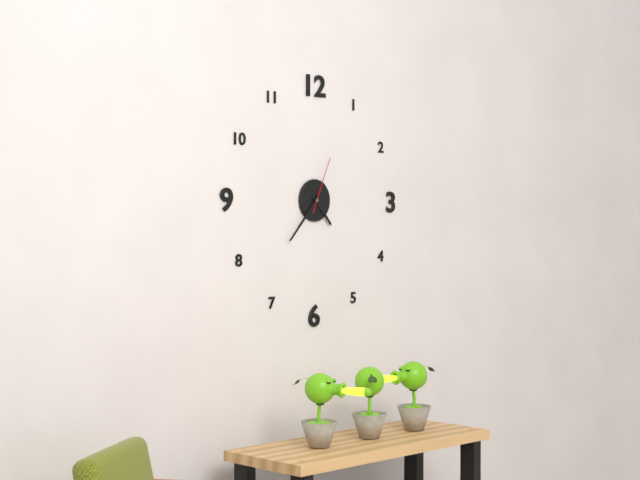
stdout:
4,37,04
